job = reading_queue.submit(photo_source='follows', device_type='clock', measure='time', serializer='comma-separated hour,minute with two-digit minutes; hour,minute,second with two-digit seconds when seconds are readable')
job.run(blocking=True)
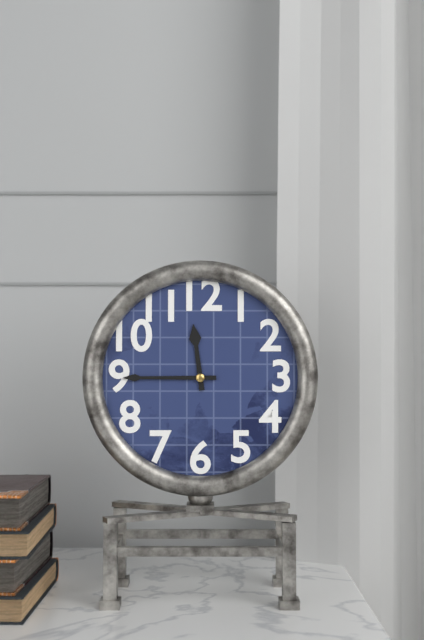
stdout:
11,45
